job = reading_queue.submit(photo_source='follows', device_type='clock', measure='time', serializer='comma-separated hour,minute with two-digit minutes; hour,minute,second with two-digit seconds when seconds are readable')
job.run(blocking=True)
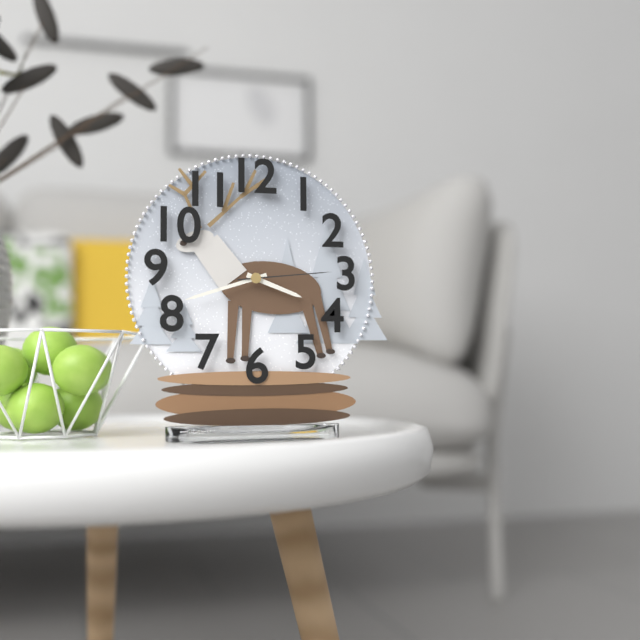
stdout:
3,42,14
